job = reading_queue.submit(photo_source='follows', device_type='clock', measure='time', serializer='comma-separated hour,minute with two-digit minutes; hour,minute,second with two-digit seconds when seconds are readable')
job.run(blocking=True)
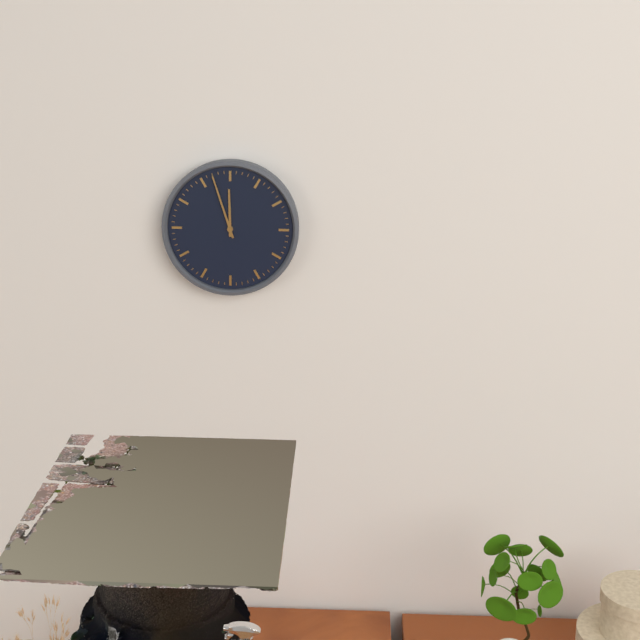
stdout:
11,57
